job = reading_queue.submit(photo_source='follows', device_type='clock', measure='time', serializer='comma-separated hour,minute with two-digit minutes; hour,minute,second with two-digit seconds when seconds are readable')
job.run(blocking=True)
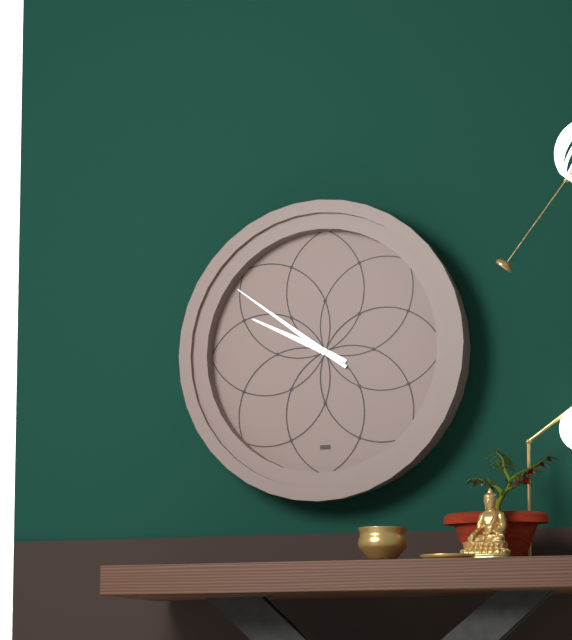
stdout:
9,51
